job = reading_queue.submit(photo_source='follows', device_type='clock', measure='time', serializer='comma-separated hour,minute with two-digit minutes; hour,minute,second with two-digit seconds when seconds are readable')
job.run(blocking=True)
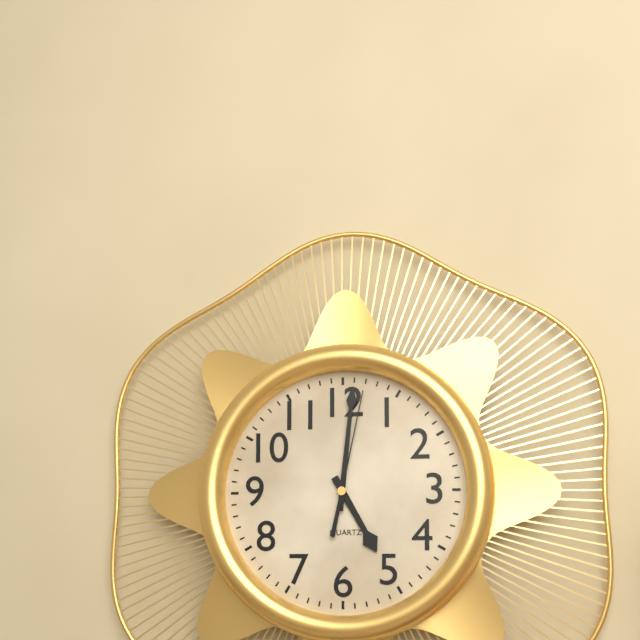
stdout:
5,01,02
